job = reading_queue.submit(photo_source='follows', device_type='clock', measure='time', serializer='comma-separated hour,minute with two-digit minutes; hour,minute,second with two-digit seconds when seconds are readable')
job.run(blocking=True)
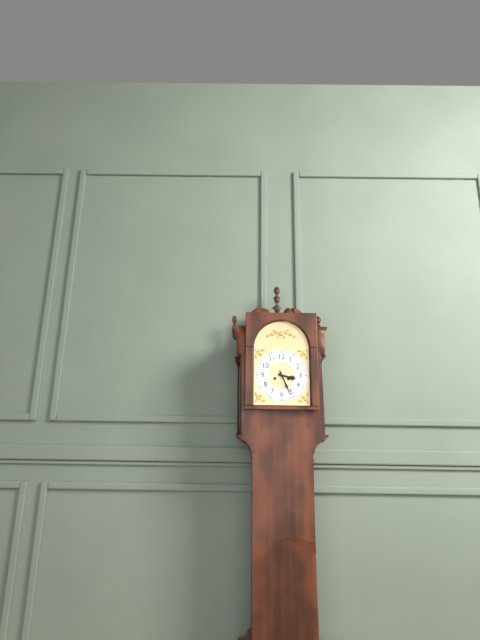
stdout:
3,26
